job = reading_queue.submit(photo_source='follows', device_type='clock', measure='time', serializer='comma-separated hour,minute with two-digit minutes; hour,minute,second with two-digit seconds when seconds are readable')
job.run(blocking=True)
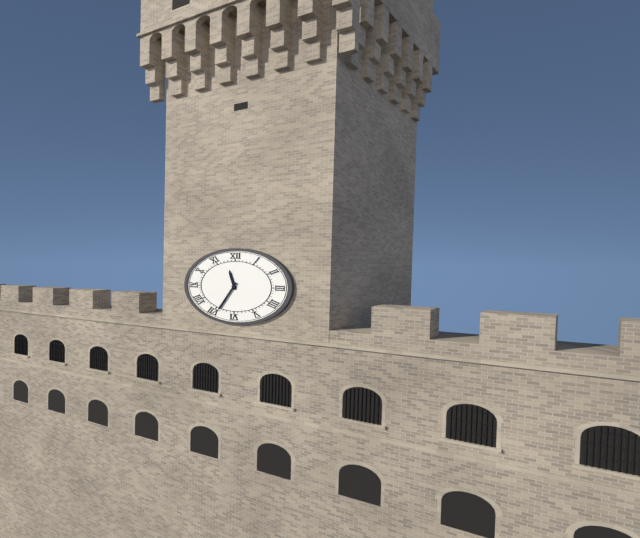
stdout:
11,34
